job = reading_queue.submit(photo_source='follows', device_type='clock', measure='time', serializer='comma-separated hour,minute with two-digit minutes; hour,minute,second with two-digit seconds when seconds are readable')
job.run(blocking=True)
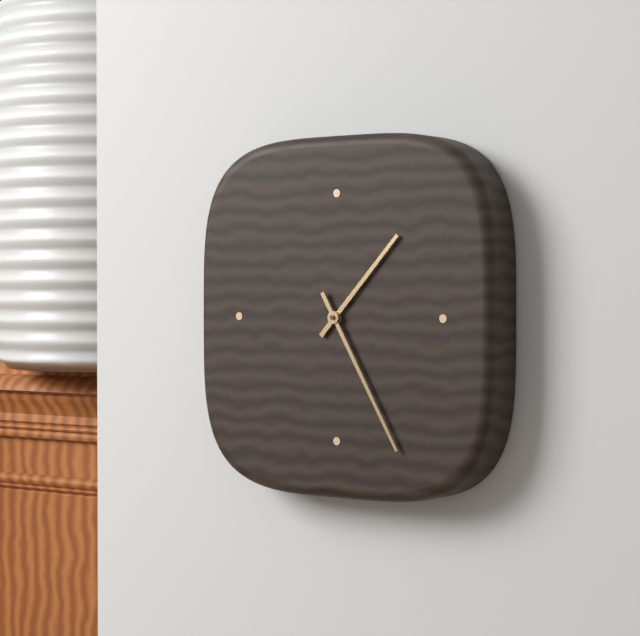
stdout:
1,25
